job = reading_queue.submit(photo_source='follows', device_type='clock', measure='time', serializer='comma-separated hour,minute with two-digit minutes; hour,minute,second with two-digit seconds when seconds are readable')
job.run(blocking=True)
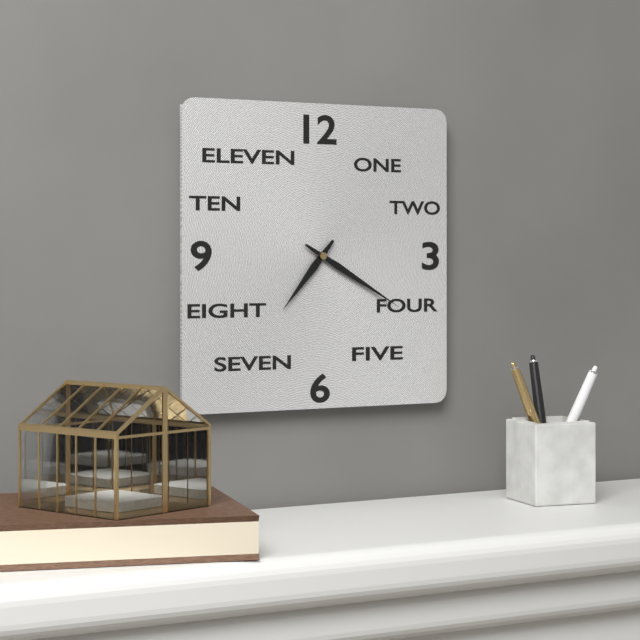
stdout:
7,20
